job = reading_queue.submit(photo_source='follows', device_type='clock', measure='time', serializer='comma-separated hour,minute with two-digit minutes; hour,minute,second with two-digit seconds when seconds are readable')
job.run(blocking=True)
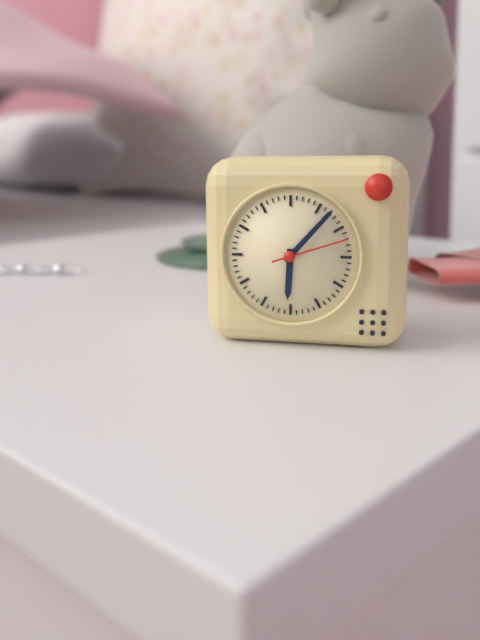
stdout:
6,07,12
